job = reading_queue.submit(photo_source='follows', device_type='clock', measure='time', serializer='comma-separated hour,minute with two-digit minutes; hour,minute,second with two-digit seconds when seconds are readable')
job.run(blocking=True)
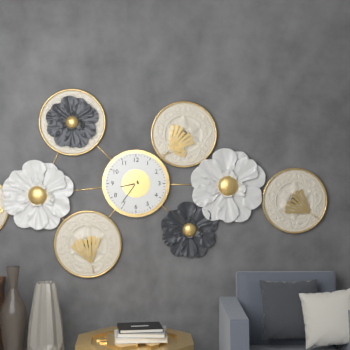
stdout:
8,36
